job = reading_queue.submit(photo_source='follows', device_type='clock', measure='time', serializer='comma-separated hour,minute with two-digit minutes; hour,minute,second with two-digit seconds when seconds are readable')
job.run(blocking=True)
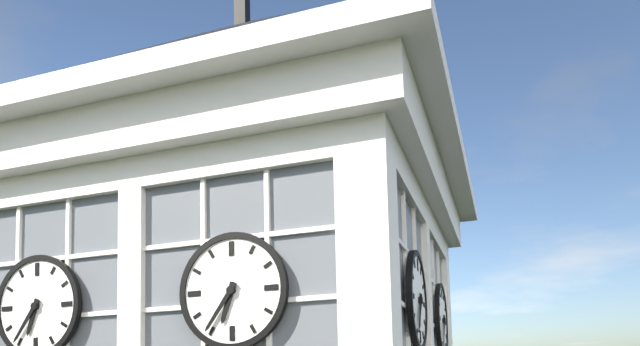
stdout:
6,36
